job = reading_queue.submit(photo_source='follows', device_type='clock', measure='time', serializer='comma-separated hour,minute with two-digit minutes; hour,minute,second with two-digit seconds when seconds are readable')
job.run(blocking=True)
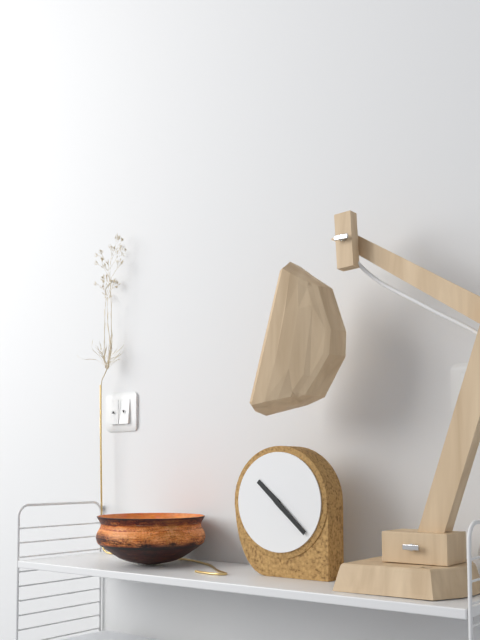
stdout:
10,22
